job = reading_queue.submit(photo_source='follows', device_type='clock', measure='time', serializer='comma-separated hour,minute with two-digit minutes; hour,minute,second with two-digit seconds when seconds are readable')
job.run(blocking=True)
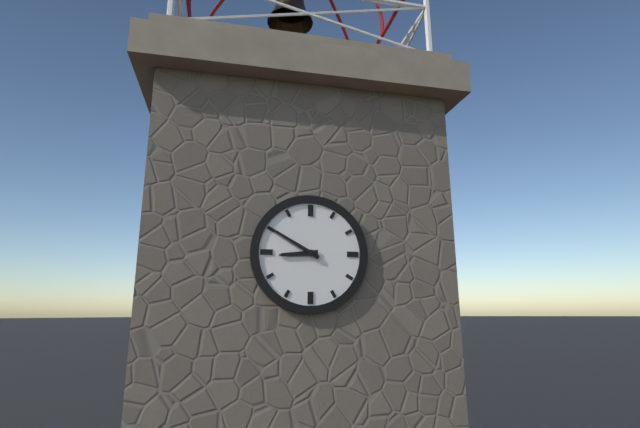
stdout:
8,50
